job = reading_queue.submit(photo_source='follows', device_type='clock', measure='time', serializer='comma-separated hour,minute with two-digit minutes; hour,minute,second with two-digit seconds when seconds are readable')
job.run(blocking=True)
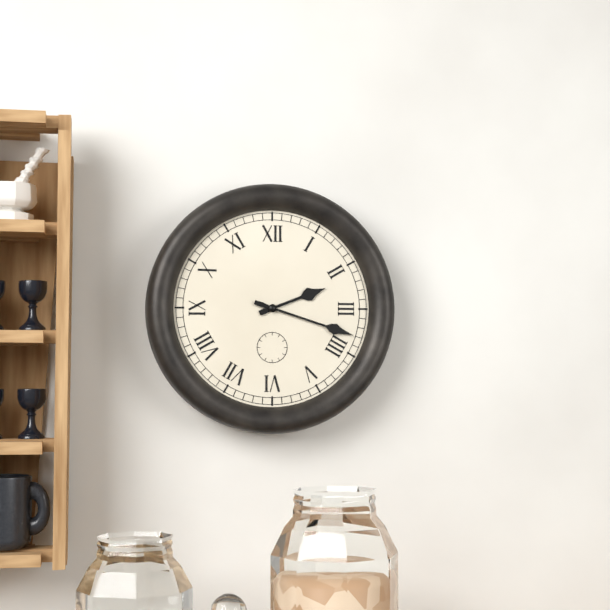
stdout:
2,18
